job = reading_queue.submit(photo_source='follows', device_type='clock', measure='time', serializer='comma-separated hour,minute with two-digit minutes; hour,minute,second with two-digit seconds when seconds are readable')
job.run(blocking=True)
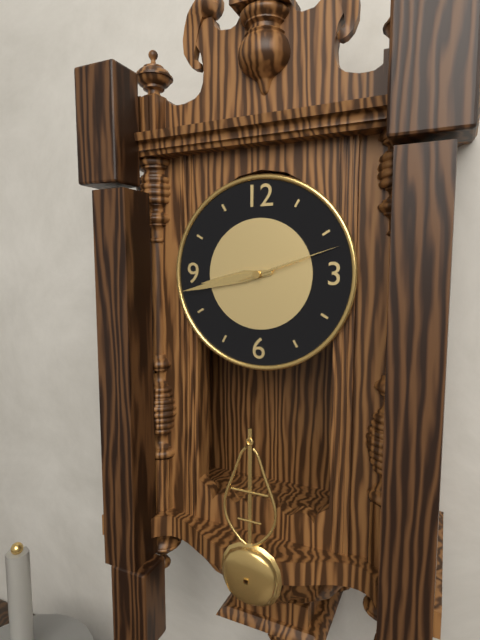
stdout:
8,43,12
